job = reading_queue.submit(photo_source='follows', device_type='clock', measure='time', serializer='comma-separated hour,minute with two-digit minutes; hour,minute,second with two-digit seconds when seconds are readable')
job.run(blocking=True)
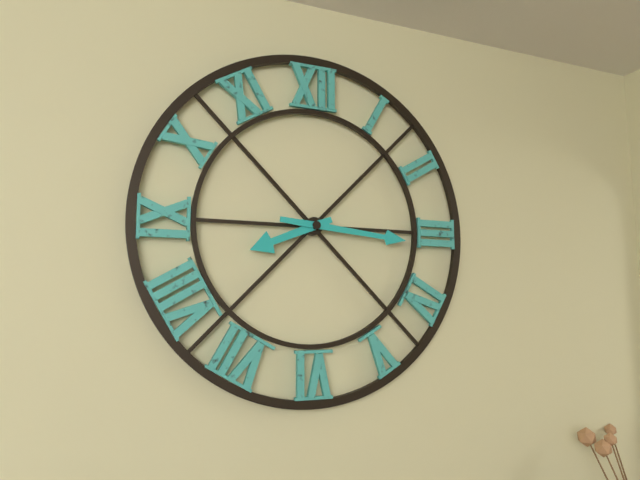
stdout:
8,16
